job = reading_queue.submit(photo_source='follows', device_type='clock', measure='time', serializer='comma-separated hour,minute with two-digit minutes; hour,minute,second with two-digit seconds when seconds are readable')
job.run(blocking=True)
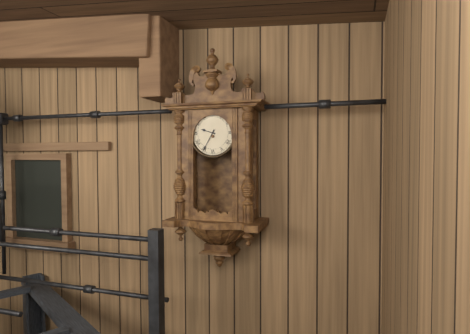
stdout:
9,35
